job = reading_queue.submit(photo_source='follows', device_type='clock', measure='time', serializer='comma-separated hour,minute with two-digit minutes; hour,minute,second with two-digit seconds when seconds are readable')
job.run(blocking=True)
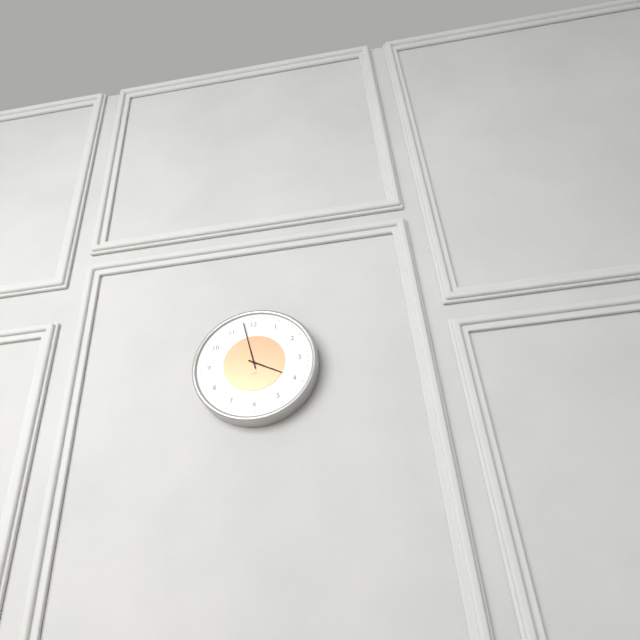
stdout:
3,58
